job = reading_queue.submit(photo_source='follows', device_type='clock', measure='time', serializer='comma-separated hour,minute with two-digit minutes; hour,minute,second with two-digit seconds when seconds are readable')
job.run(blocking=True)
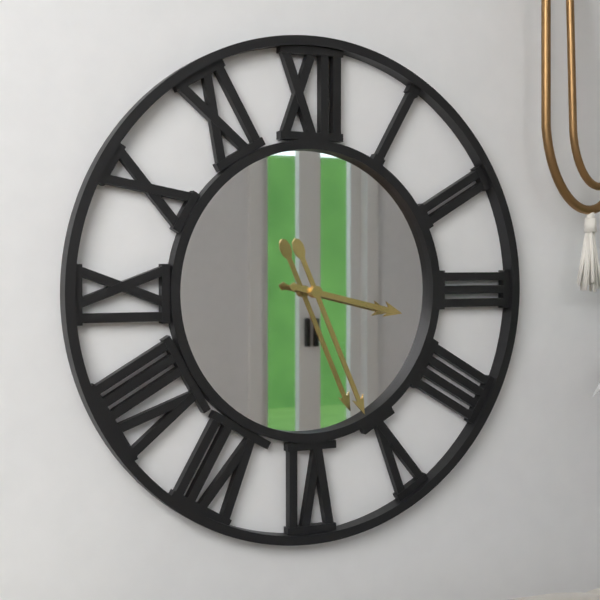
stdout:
3,26
